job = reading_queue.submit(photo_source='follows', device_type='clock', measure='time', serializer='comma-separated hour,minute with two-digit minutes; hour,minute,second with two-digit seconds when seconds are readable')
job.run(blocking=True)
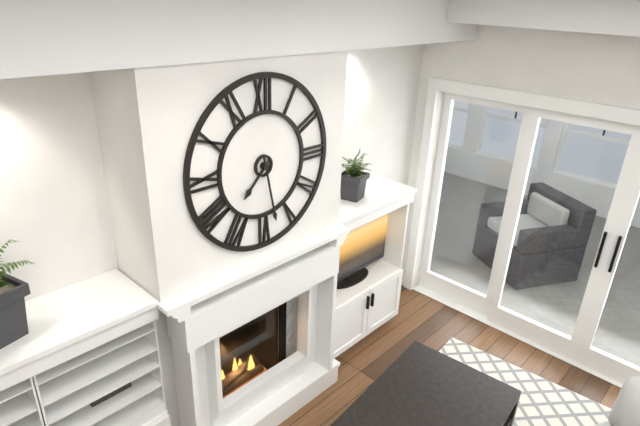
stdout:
7,28
